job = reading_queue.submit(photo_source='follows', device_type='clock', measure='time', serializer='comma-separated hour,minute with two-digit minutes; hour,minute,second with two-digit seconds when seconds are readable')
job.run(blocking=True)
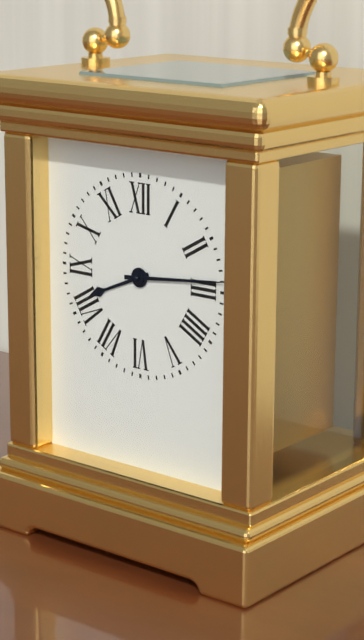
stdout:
8,14
